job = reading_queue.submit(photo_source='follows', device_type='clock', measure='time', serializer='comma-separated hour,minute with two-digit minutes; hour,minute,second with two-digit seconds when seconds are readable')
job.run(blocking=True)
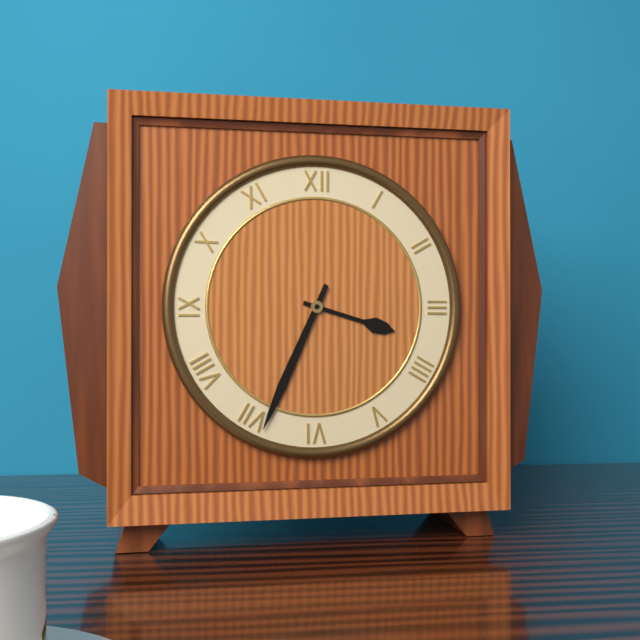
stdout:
3,34
